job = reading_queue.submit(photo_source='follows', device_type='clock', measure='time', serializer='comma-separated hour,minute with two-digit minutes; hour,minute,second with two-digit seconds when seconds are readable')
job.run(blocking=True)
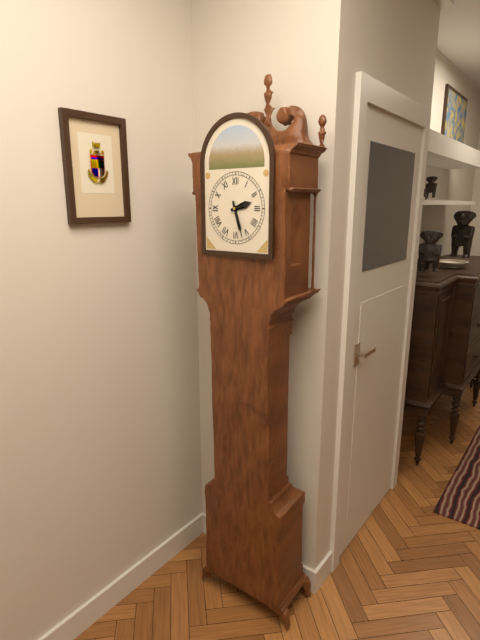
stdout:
2,27
